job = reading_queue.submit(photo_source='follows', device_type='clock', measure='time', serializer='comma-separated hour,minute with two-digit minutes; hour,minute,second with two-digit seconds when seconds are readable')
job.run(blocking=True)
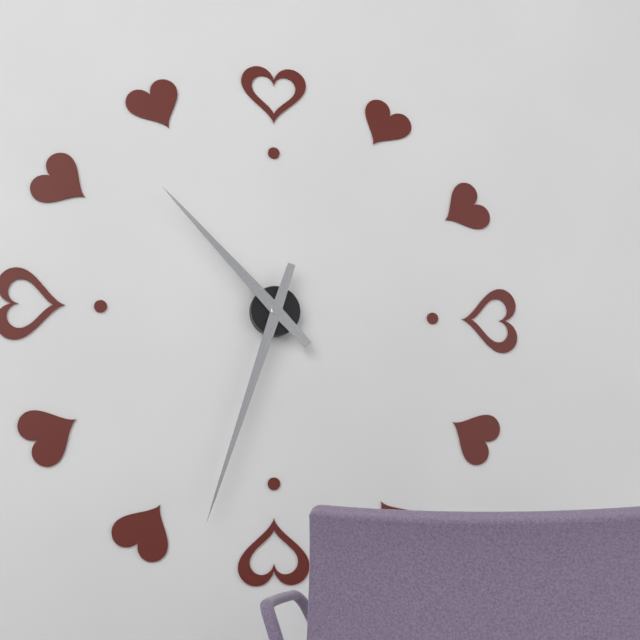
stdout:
10,33
